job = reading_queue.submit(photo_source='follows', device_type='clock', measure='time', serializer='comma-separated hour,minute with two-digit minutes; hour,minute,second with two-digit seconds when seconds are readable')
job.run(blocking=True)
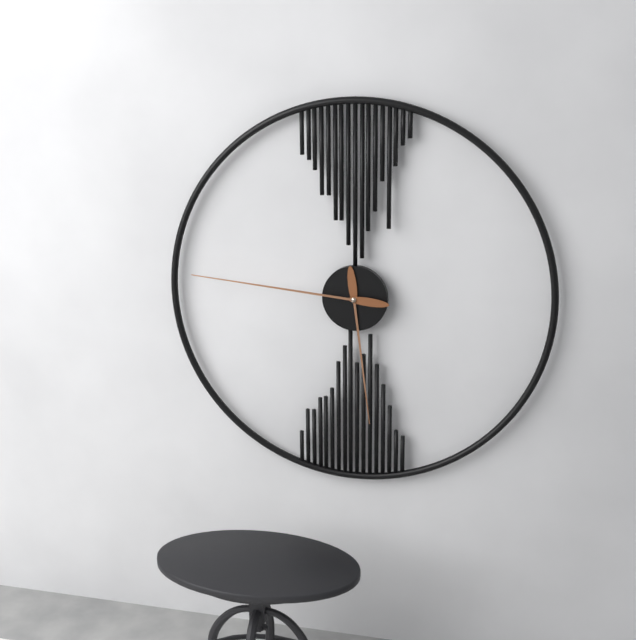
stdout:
5,46
